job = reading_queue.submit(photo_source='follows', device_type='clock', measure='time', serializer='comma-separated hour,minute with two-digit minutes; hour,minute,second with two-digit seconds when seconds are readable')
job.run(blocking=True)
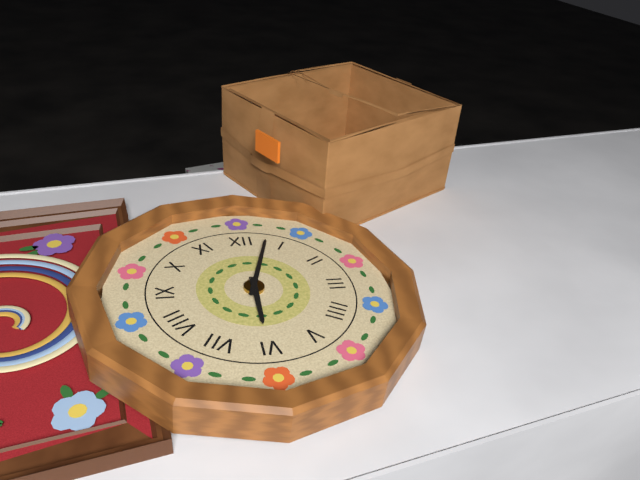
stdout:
6,03
